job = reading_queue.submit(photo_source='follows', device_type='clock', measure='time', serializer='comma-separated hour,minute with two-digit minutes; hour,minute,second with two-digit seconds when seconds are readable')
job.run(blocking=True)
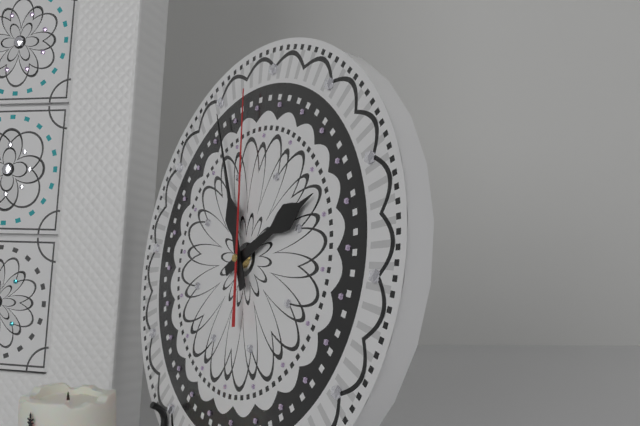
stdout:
1,55,58
